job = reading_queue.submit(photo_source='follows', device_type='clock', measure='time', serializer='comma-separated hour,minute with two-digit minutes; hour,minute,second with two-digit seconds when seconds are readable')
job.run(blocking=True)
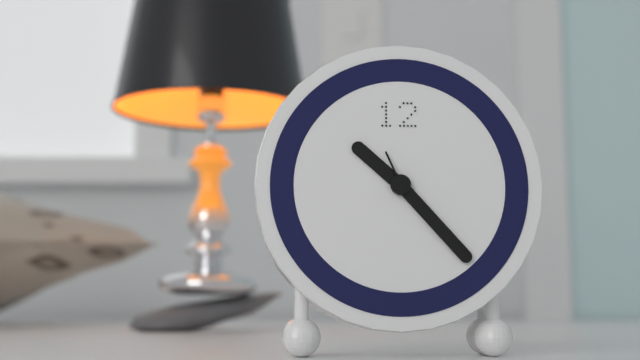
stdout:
10,23,56
